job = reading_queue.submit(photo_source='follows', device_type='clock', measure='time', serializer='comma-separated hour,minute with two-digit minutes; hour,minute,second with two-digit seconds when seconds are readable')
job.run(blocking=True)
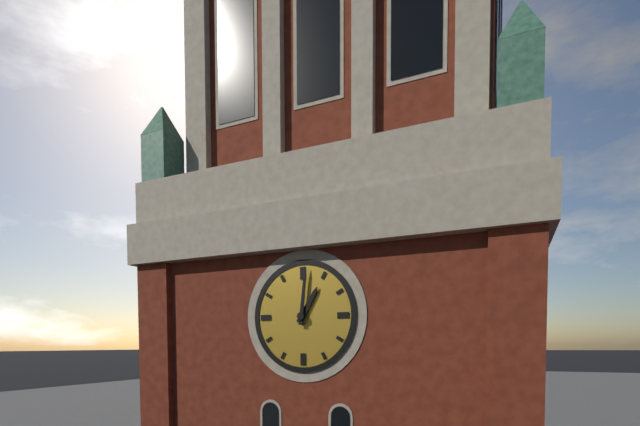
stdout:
1,01
